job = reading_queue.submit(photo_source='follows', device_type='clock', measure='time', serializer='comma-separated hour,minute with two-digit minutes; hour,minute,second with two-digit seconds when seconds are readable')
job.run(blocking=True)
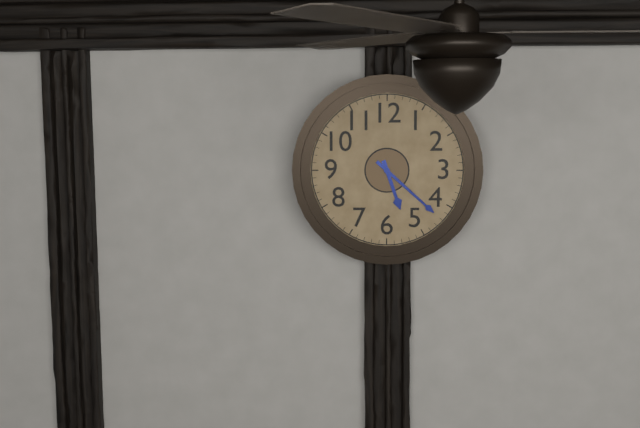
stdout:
5,22
